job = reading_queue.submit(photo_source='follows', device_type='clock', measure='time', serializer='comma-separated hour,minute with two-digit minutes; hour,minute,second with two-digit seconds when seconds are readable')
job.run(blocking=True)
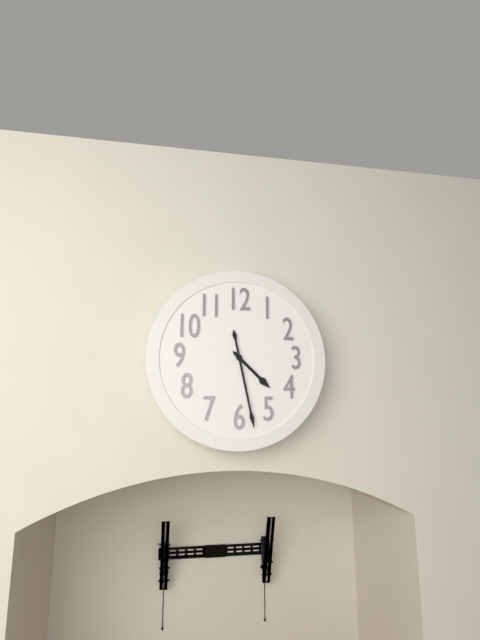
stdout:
4,28
